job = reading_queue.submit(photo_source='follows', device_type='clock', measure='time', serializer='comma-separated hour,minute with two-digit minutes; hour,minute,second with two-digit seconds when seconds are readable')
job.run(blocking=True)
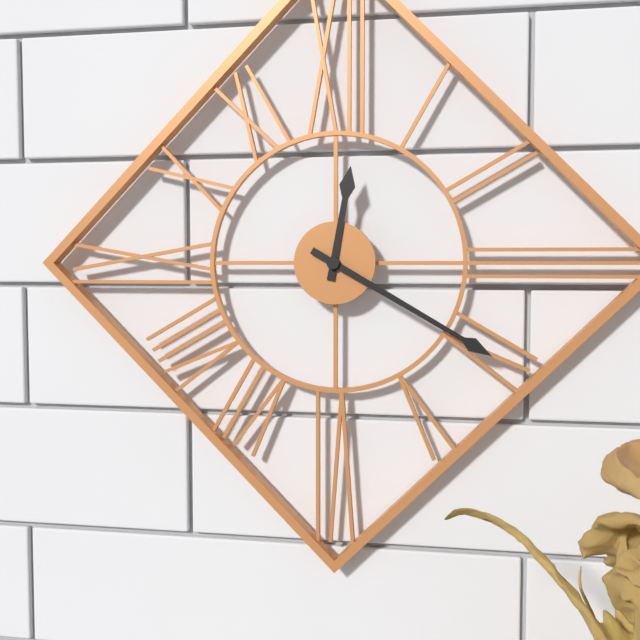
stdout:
12,20
